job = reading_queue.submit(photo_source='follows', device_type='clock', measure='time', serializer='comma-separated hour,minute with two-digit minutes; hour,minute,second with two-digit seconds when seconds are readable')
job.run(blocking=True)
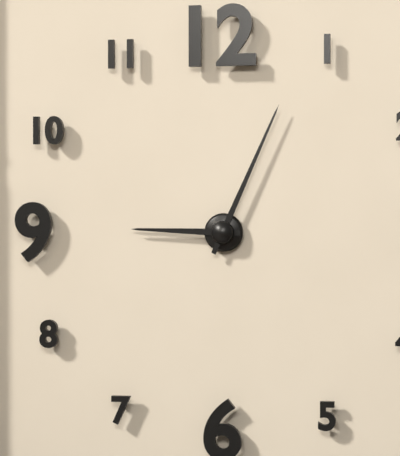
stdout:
9,04
